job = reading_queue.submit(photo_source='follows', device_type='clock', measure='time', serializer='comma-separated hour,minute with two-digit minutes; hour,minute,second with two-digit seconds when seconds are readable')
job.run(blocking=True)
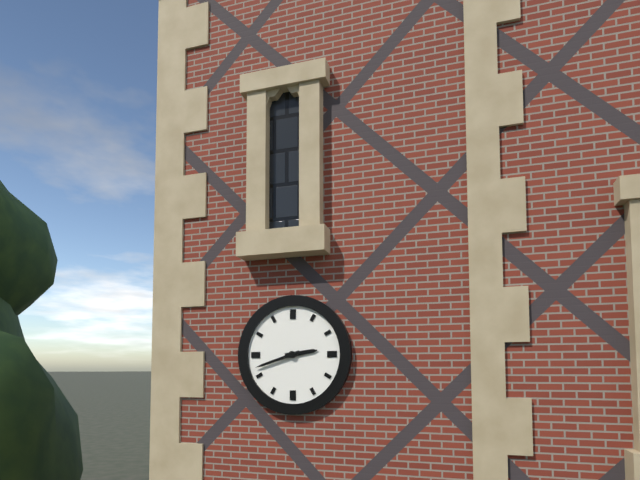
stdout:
2,42
